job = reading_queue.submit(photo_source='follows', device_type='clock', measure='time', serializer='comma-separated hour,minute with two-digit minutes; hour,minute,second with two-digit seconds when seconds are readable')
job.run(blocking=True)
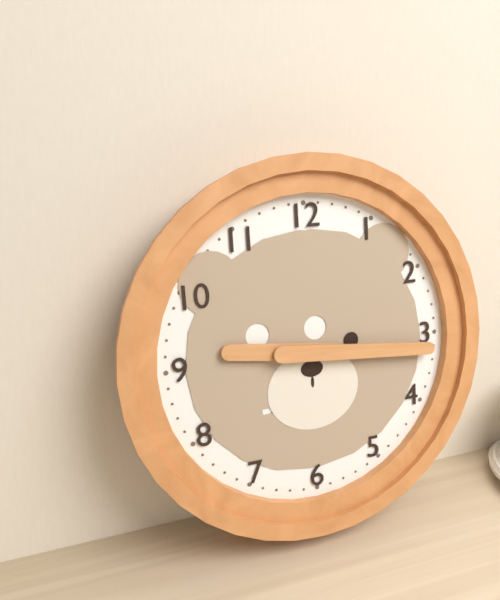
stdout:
9,16
